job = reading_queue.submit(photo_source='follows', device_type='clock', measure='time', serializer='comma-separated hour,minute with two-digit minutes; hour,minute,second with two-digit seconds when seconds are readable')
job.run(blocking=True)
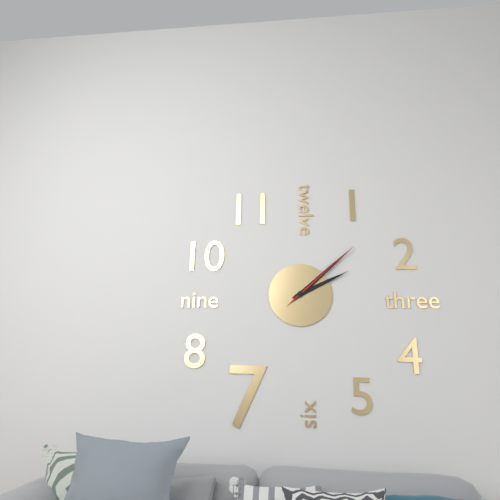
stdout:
2,08,08
